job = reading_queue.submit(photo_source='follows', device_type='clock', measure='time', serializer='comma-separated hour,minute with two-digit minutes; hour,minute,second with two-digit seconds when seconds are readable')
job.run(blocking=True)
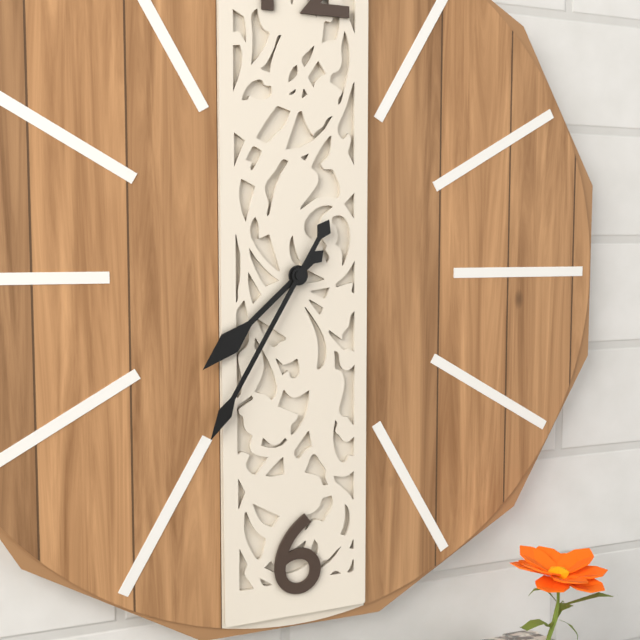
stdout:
7,35
